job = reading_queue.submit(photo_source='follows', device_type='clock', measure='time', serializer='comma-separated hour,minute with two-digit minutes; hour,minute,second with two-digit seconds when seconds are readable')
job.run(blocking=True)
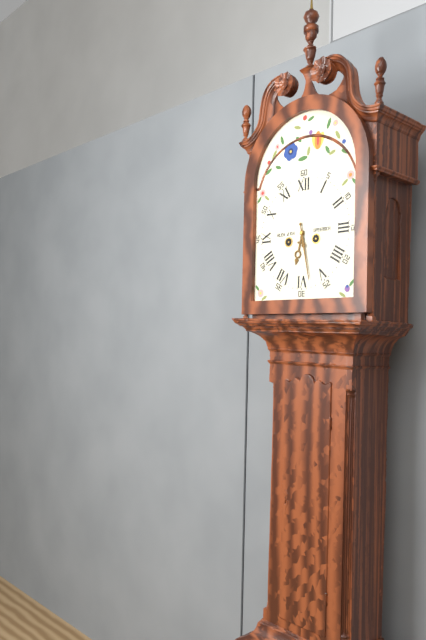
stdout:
6,28
